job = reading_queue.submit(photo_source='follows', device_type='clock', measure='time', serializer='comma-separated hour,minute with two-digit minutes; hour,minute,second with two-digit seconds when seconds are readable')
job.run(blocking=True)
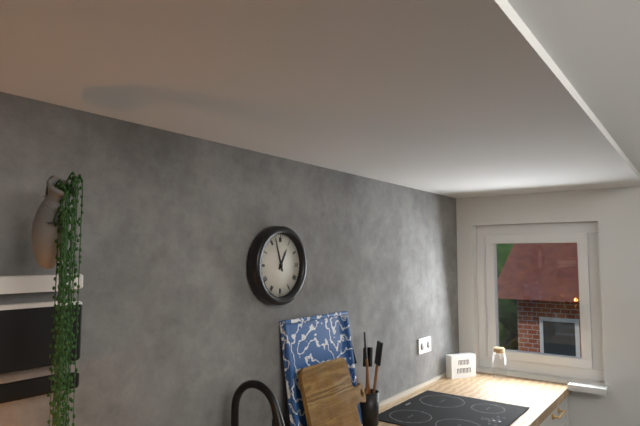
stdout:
12,57
